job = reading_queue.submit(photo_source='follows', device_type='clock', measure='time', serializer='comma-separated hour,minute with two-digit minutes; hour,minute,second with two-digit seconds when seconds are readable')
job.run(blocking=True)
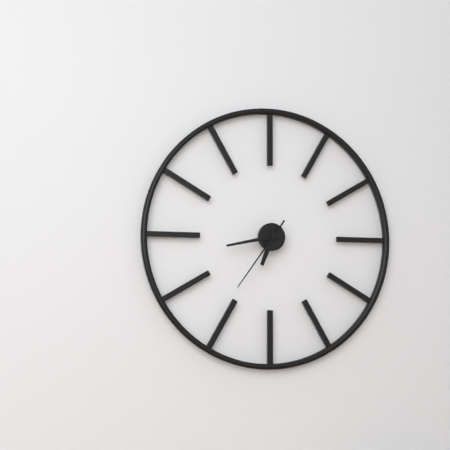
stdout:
6,43,36
